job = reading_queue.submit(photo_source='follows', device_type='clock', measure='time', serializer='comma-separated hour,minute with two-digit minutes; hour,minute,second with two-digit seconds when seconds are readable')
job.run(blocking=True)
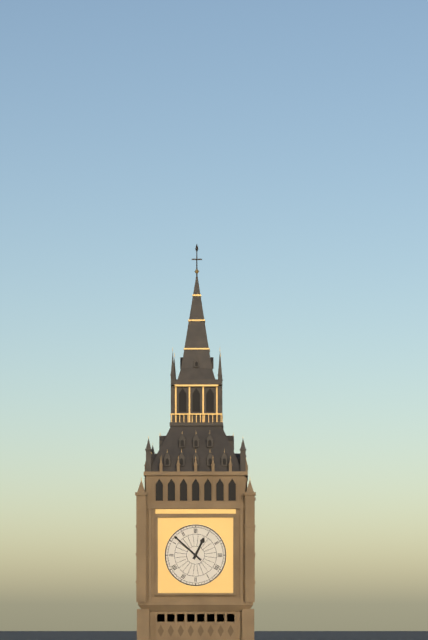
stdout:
12,52
